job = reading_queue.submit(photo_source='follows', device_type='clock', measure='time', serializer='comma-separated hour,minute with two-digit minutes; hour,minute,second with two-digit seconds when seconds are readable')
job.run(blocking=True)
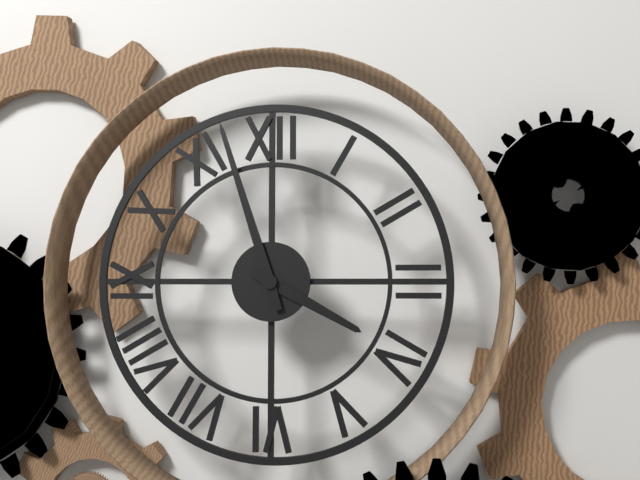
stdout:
3,57
